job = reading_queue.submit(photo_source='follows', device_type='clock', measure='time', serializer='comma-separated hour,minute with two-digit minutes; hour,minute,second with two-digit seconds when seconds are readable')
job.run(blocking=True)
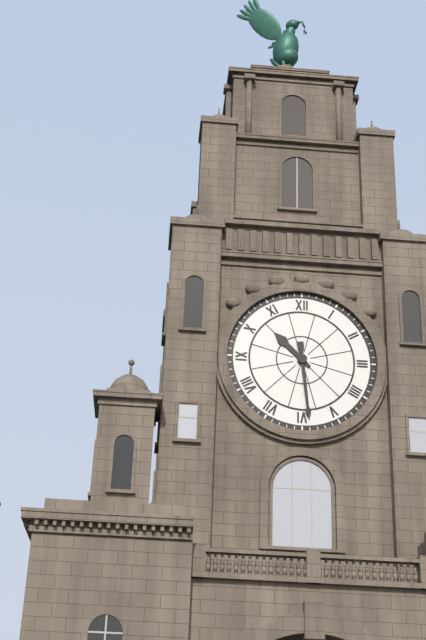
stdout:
10,29
